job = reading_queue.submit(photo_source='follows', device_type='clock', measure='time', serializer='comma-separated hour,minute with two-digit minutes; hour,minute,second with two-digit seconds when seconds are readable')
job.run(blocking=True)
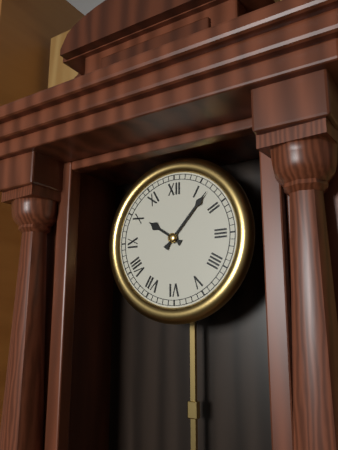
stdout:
10,07
